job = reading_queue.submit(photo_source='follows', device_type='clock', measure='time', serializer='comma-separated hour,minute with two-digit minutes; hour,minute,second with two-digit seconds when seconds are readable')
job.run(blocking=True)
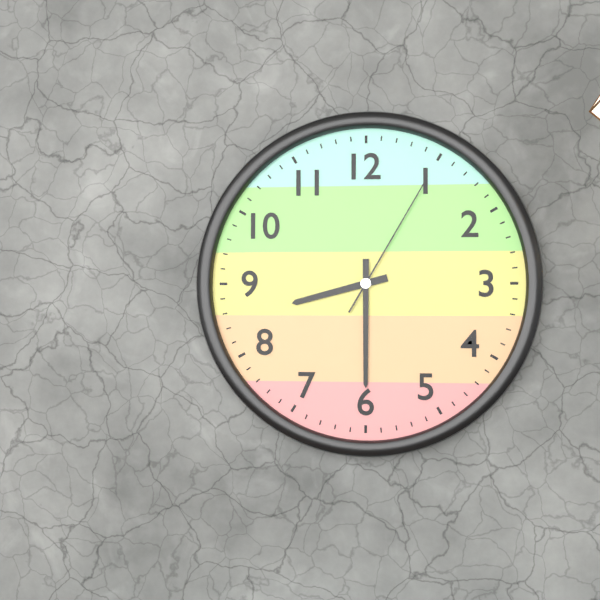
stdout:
8,30,05
